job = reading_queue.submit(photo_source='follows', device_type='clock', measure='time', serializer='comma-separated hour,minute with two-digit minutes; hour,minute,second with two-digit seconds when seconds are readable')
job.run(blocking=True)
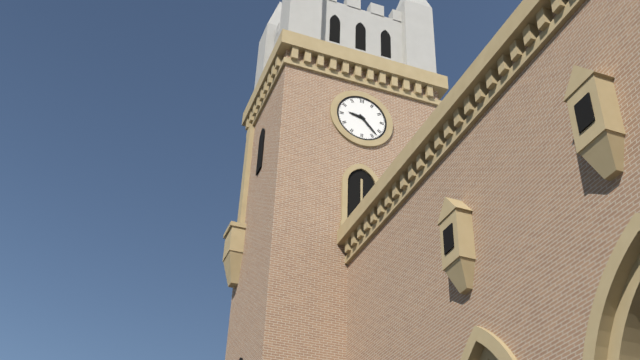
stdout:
9,23
